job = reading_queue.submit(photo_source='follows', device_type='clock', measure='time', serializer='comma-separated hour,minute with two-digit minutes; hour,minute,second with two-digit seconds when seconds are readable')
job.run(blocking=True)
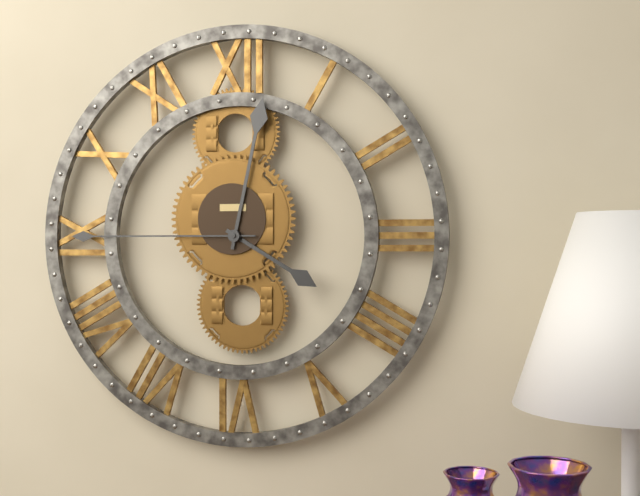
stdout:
4,02,45
